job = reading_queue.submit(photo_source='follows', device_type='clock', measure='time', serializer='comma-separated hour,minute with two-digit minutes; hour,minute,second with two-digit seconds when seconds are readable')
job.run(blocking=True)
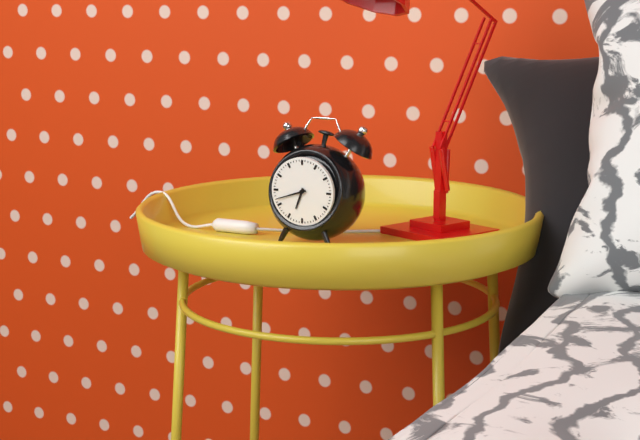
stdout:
6,42
